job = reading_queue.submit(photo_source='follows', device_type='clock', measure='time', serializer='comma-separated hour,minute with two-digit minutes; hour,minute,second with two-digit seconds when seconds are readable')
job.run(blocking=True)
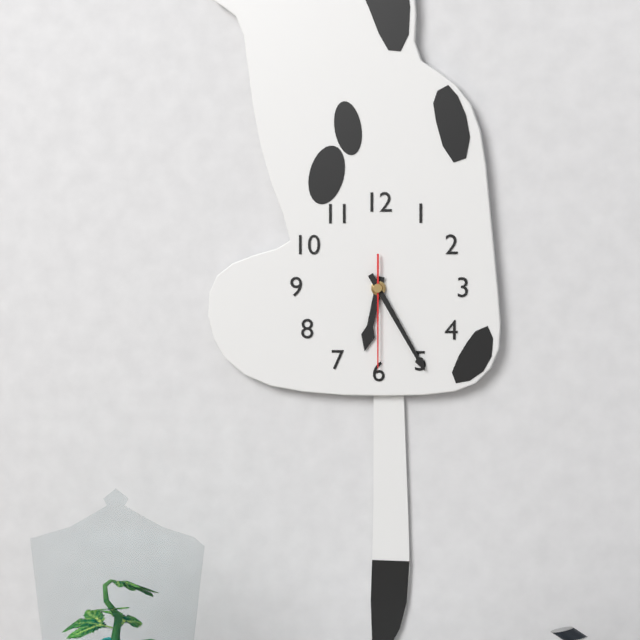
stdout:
6,25,30
